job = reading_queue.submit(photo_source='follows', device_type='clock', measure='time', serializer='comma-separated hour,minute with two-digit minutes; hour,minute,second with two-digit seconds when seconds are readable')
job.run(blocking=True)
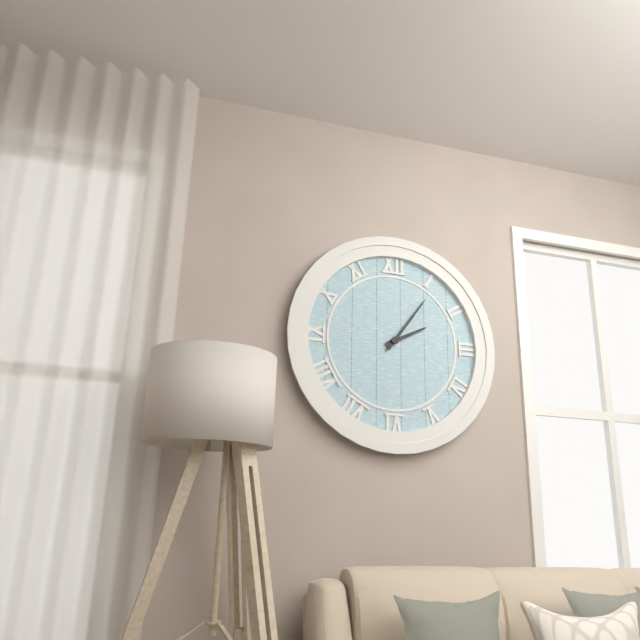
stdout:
2,06
